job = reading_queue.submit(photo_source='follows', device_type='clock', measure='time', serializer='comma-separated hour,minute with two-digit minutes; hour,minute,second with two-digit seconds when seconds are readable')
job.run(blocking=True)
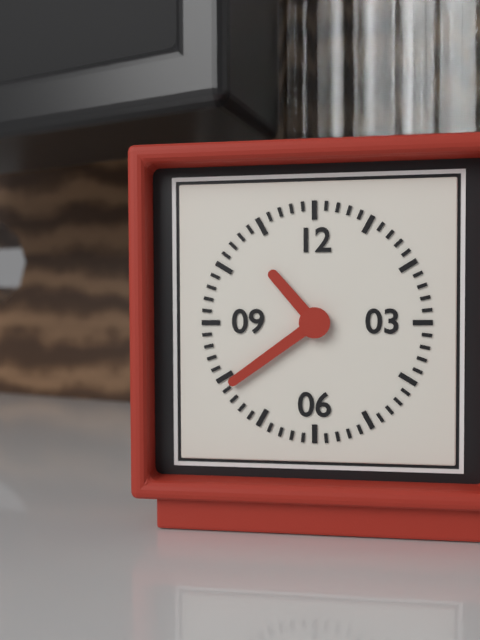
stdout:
10,39
